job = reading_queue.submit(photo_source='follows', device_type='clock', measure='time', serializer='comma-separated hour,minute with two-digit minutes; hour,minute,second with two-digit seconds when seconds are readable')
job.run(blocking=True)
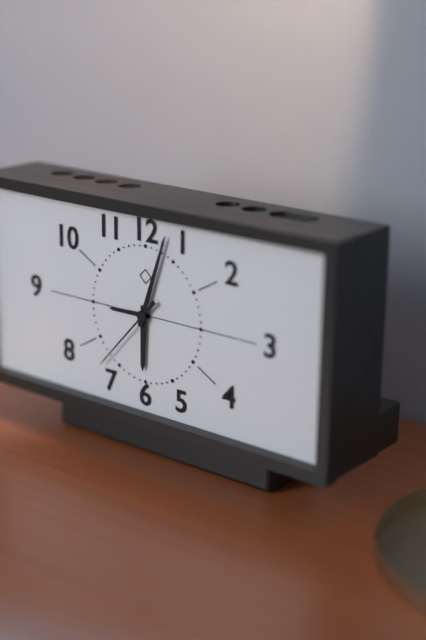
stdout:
6,03,37
